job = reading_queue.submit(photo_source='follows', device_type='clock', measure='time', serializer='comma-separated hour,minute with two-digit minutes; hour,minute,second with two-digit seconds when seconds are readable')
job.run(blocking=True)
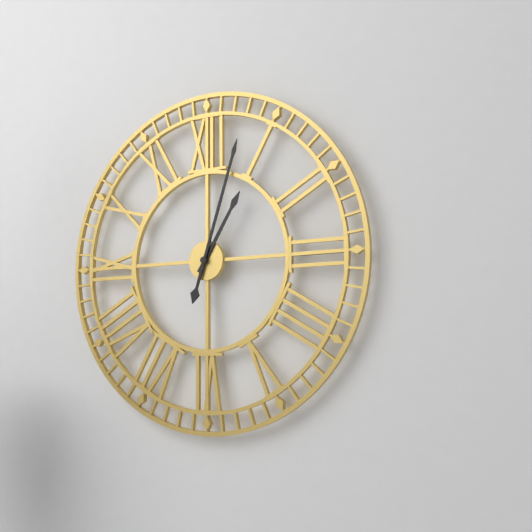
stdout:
1,03
